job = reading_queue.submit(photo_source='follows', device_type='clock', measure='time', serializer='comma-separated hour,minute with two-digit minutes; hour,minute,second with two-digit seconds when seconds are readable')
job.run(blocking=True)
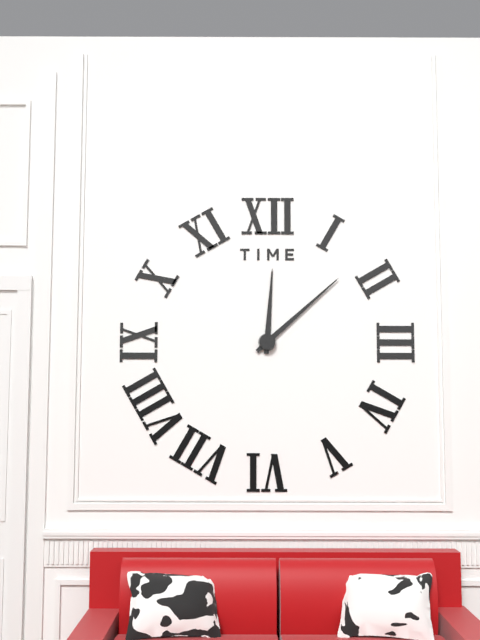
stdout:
12,08
